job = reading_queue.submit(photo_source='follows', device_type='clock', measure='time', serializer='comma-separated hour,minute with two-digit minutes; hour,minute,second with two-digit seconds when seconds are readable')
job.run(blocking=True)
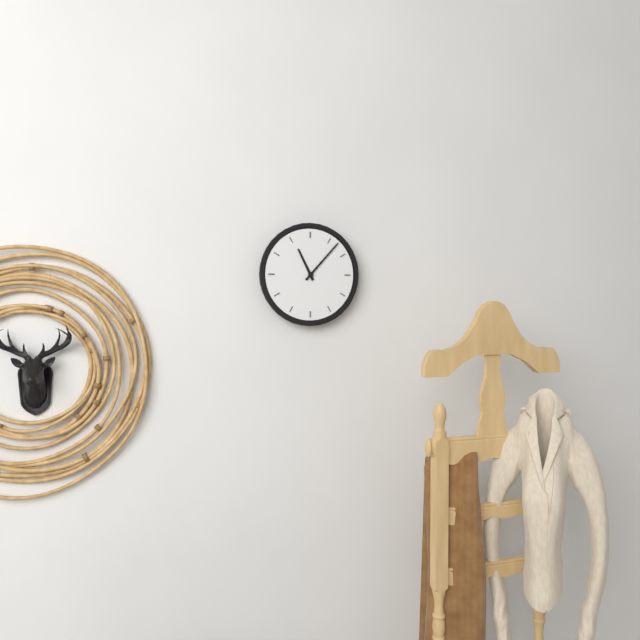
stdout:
11,07
